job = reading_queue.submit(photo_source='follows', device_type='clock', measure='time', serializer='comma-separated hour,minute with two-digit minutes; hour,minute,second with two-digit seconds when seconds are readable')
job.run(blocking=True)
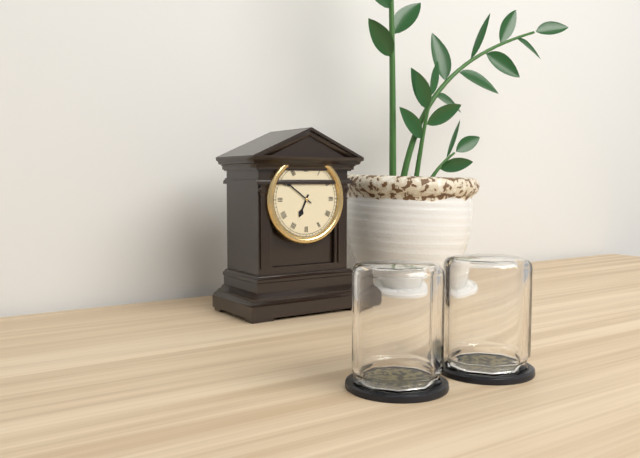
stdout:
6,51
